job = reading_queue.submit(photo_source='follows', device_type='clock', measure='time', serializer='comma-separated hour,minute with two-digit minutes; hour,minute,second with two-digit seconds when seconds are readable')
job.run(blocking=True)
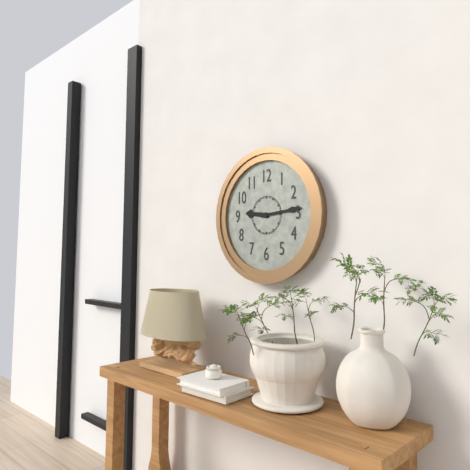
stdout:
9,14
